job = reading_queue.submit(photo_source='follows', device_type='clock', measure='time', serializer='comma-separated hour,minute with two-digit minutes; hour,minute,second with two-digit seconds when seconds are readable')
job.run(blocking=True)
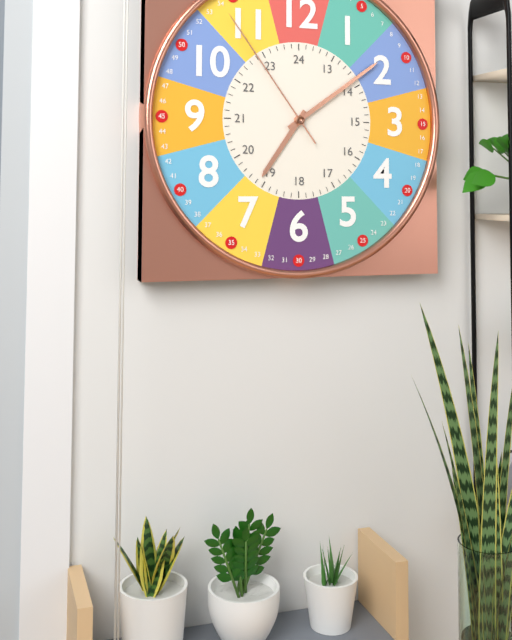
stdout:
7,09,54
